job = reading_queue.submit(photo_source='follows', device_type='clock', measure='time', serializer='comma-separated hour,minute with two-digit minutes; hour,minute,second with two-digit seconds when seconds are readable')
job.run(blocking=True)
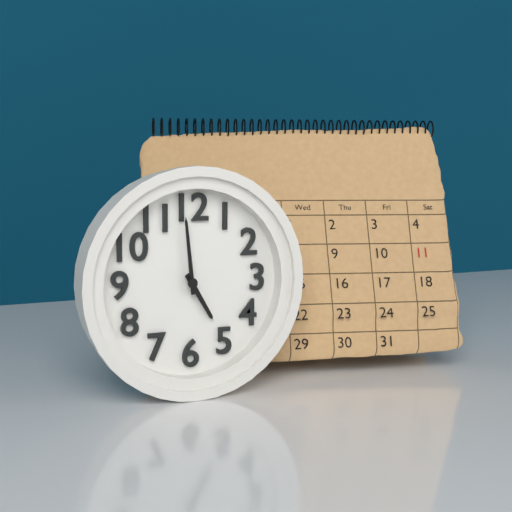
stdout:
4,59
